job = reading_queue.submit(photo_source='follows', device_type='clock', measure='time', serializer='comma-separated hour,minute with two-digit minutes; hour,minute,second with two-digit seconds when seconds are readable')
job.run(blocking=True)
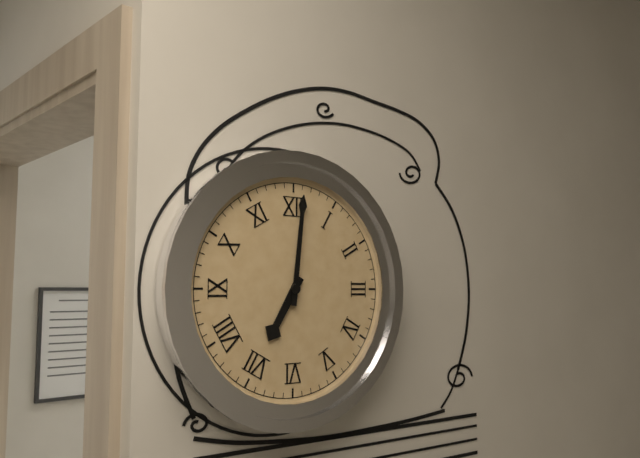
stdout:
7,01
